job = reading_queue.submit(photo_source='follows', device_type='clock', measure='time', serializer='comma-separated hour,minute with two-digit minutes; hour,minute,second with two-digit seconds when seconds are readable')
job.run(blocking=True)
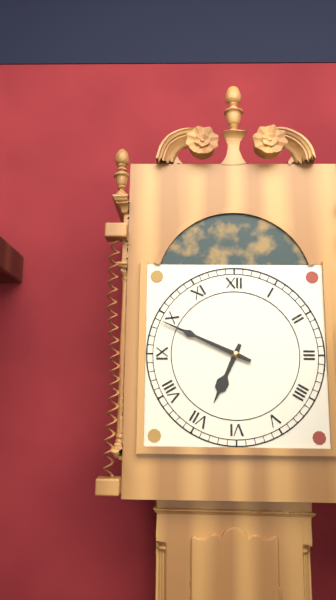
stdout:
6,49
